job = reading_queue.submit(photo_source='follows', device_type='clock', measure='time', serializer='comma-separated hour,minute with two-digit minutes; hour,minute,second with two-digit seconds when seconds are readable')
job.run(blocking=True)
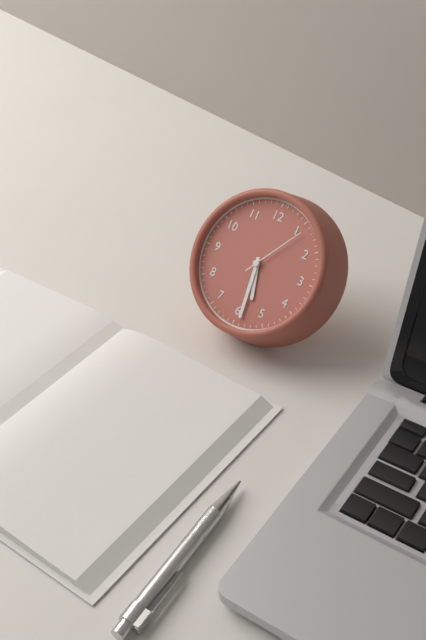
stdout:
5,29,06
